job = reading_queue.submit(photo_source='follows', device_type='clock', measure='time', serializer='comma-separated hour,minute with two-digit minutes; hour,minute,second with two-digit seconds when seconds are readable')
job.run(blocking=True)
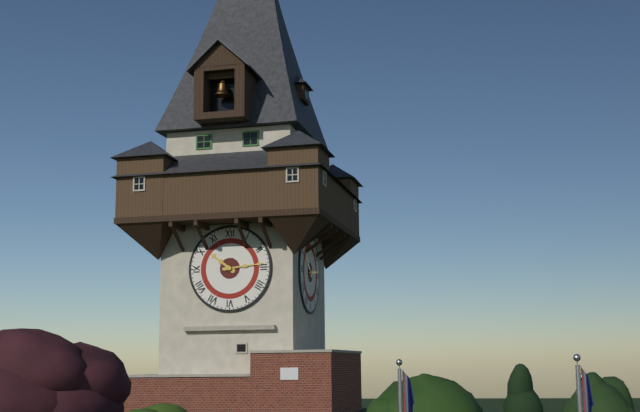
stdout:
10,14
